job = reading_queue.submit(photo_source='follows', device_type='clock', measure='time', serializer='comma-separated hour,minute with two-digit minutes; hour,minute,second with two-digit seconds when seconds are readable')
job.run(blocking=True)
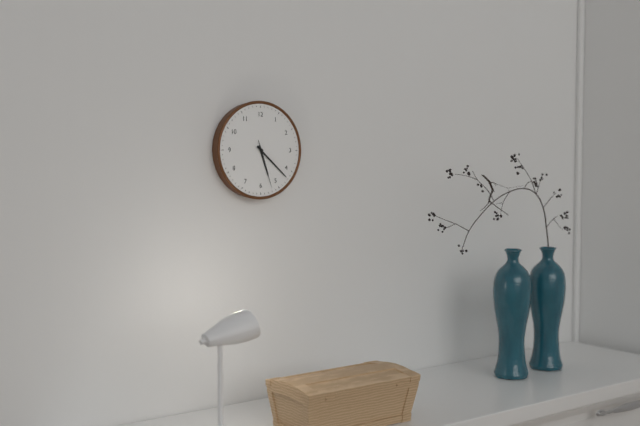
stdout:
5,22
